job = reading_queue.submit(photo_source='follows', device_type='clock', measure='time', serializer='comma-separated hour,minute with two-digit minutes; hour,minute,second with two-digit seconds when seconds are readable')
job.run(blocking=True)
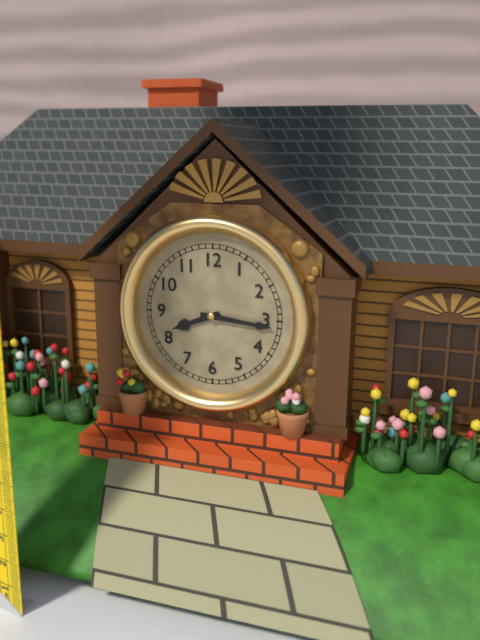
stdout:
8,16
